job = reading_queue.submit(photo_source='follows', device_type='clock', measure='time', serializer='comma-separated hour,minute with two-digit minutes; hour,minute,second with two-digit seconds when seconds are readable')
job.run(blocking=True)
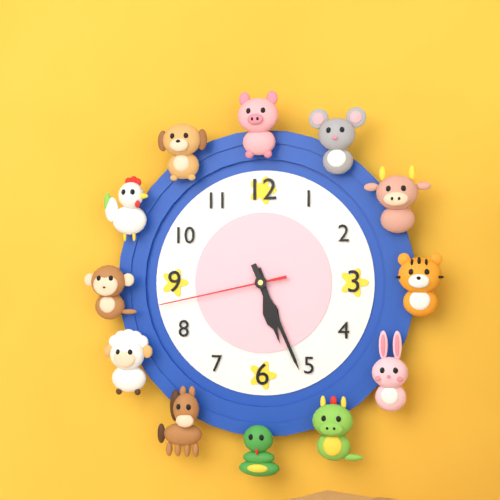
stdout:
5,26,43
